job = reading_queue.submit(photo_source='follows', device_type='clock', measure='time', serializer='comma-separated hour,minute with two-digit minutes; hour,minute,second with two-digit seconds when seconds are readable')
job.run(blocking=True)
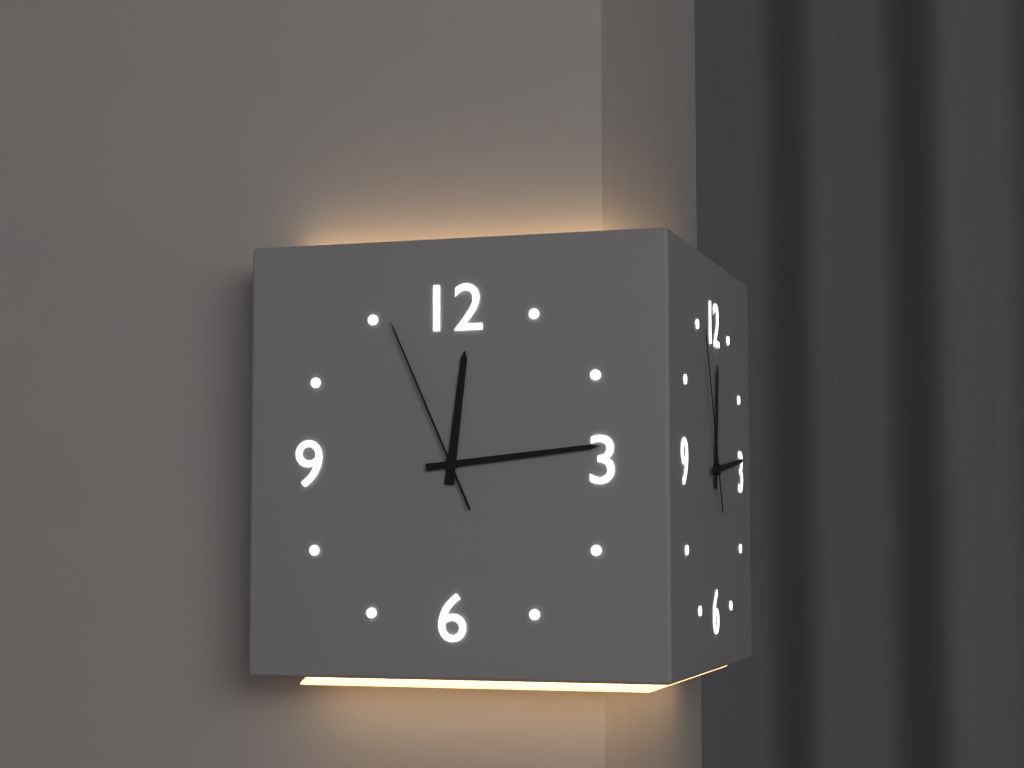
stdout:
12,14,56
